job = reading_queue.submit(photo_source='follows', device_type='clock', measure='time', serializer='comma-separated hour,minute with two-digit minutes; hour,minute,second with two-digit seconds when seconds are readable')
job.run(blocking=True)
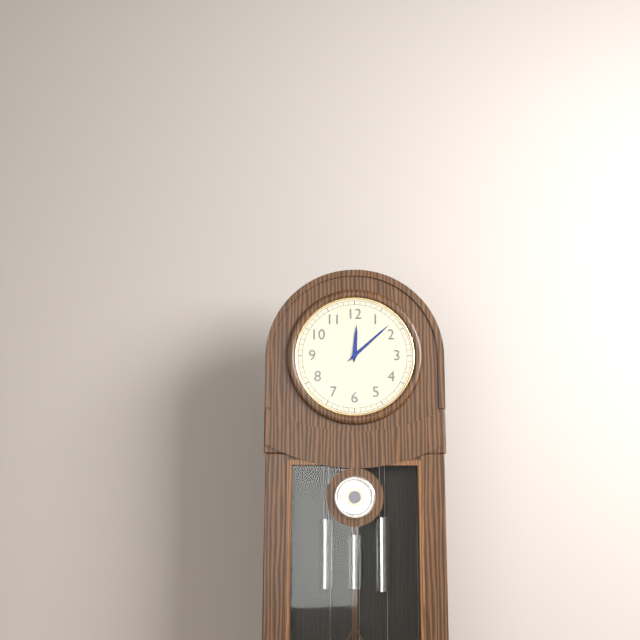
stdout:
12,08
